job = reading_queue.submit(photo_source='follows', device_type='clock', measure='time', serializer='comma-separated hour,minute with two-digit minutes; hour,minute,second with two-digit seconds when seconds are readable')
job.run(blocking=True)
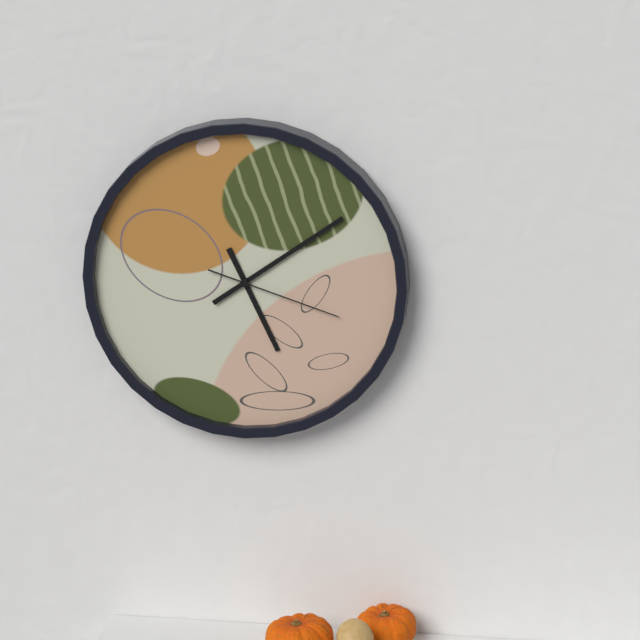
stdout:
5,09,18
